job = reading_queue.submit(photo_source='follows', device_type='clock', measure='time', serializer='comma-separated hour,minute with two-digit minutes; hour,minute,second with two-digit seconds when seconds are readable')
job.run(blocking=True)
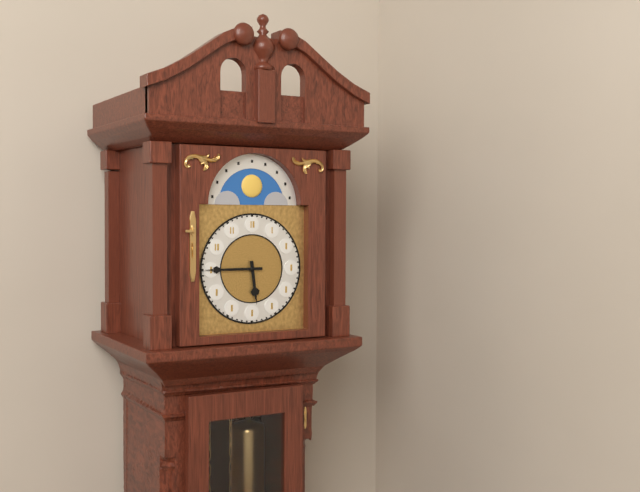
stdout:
5,45
